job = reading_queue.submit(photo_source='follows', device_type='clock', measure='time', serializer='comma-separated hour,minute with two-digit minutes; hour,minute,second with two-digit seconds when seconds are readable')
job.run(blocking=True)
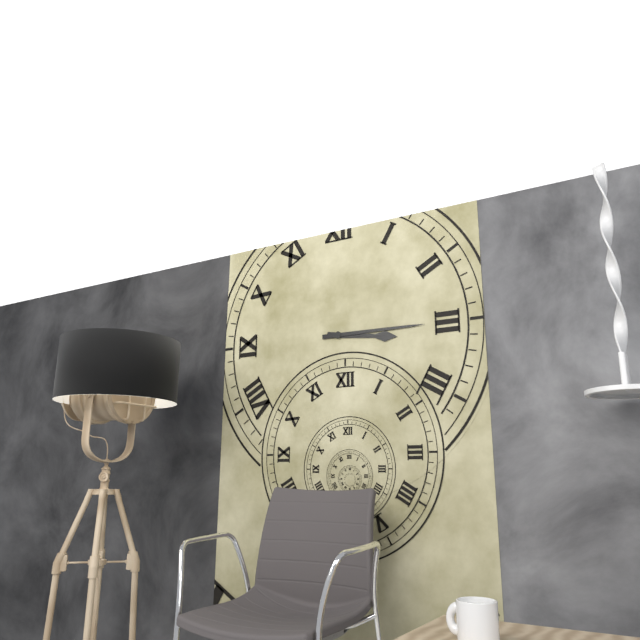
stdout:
3,15
